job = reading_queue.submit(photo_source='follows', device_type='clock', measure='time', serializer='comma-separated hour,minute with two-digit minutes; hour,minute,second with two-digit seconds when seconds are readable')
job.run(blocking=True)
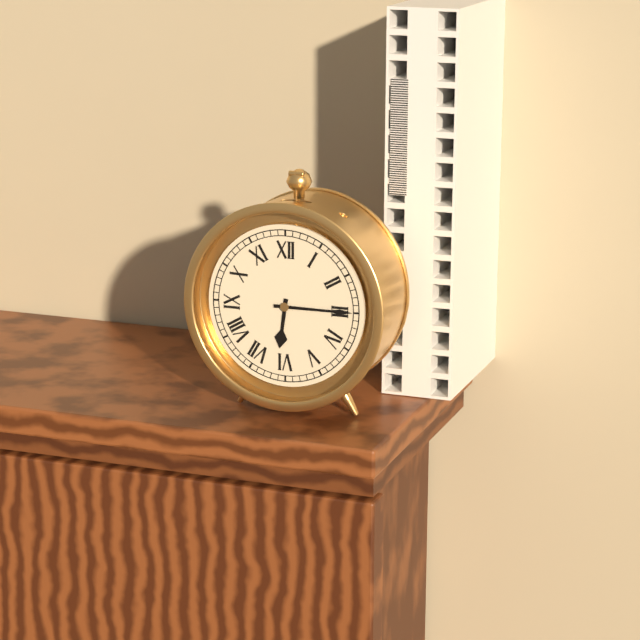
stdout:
6,15
